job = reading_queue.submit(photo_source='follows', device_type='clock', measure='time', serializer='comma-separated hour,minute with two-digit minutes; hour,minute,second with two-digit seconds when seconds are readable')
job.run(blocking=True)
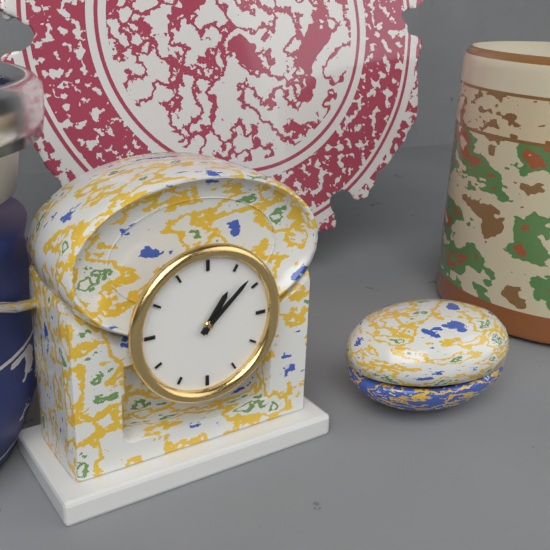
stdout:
1,08
